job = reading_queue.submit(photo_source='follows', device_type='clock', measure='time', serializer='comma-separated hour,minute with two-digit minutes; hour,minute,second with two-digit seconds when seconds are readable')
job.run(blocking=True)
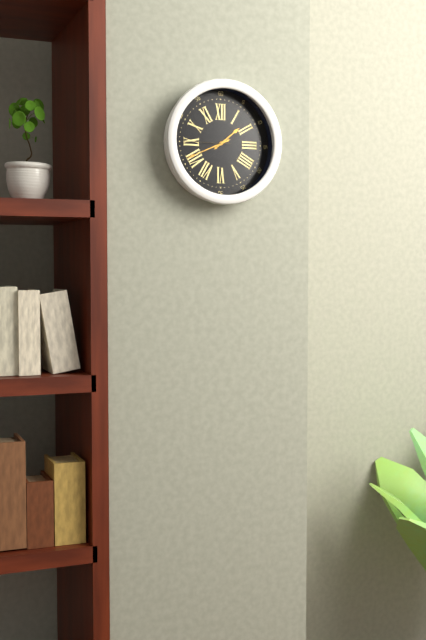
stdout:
1,41
